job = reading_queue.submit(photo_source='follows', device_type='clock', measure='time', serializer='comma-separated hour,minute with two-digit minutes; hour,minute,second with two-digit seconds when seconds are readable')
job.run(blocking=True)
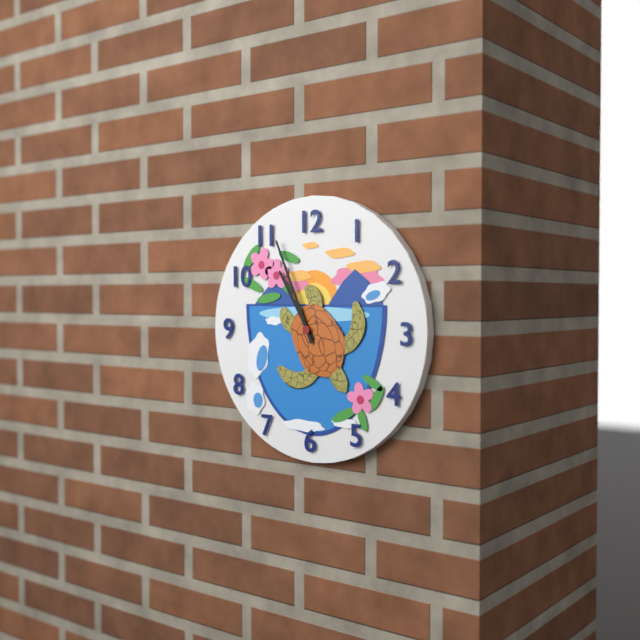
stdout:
10,56
